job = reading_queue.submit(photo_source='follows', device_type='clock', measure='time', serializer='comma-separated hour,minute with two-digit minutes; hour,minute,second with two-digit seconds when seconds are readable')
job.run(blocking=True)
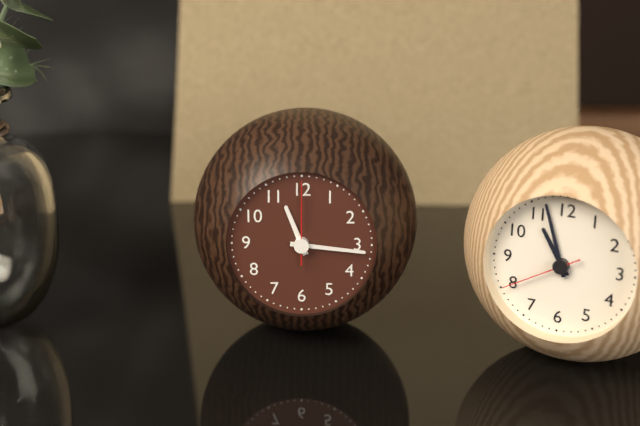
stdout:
11,16,00
